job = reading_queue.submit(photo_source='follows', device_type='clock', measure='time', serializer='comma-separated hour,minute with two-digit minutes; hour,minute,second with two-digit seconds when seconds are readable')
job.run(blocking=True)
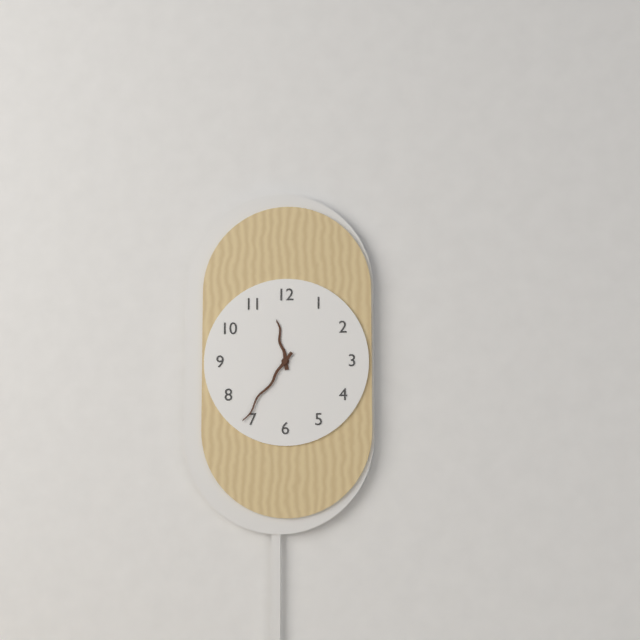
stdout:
11,36
